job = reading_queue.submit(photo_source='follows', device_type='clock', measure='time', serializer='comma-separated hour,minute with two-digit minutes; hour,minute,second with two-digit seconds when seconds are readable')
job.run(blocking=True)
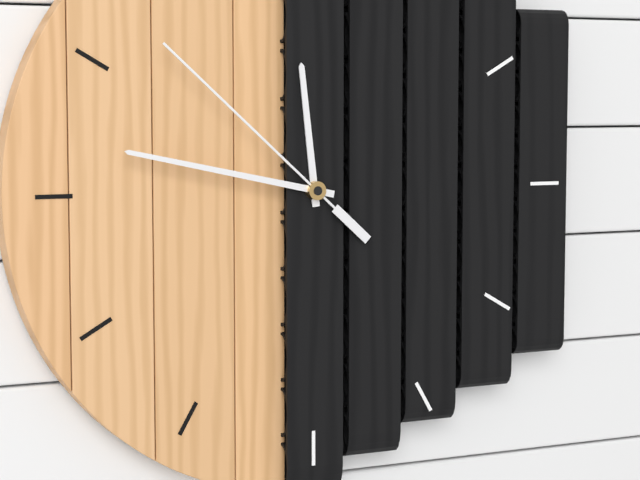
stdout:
11,47,52
